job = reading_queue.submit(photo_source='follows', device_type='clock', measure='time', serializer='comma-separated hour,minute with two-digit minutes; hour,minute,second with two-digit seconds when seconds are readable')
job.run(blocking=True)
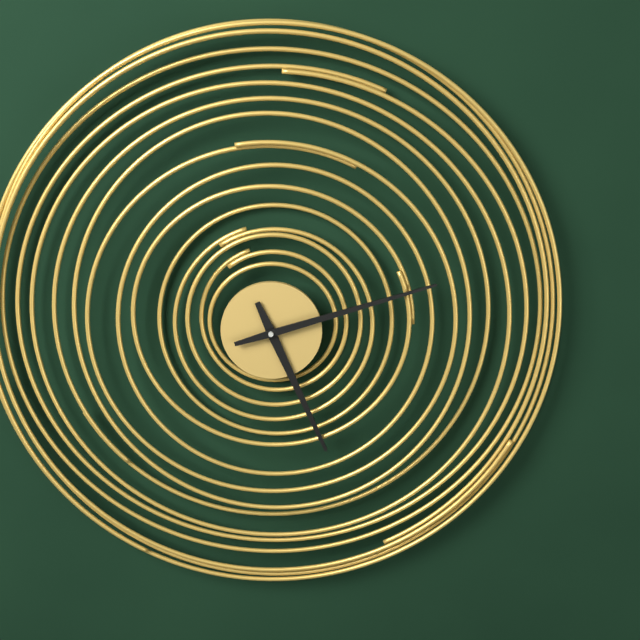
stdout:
5,12
